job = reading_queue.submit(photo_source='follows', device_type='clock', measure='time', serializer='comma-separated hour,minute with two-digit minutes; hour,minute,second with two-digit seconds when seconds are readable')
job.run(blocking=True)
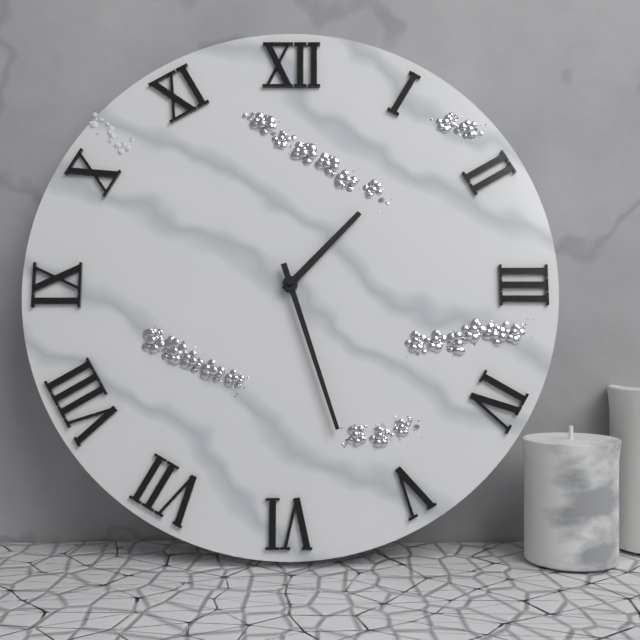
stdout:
1,27
